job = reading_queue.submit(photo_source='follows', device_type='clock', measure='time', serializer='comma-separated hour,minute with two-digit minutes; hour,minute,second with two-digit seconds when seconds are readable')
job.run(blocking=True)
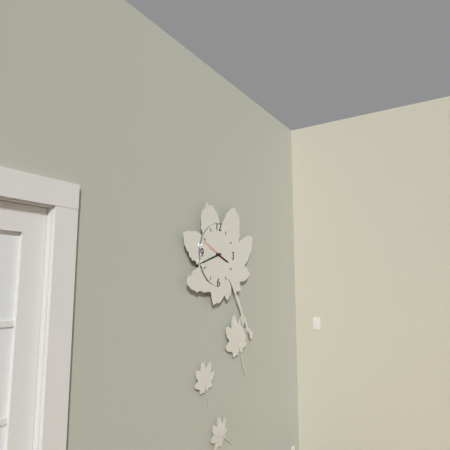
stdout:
3,42
